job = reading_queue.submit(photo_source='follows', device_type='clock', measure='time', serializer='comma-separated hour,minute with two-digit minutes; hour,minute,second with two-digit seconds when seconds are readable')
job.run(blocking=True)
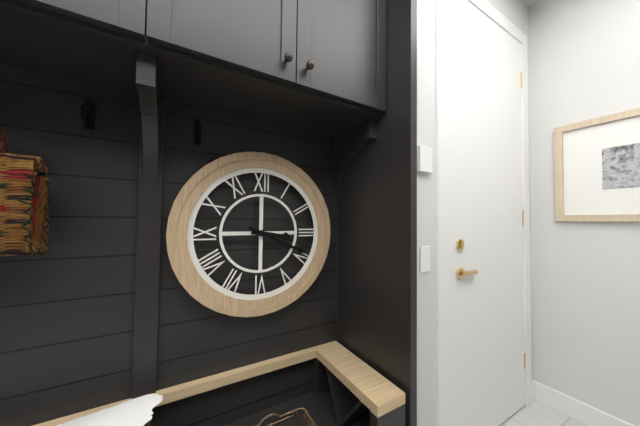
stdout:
3,19
